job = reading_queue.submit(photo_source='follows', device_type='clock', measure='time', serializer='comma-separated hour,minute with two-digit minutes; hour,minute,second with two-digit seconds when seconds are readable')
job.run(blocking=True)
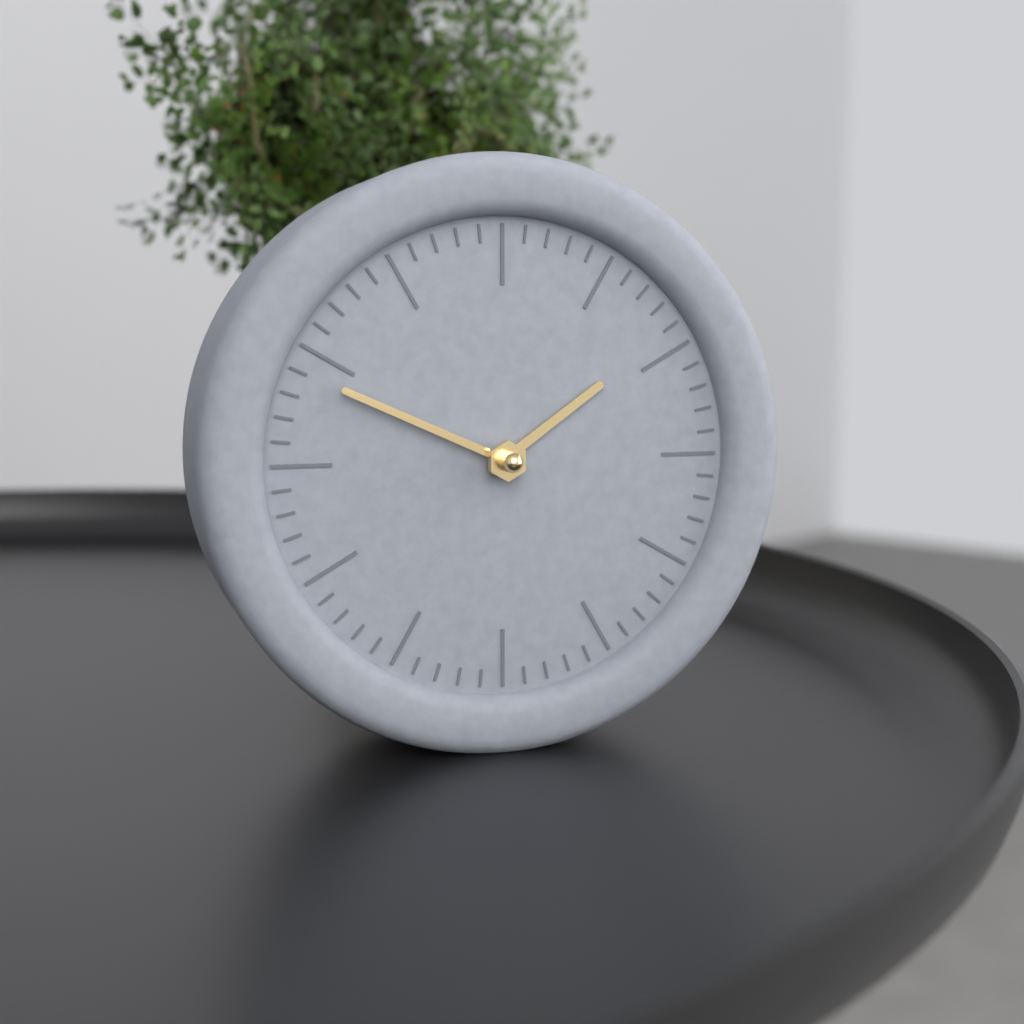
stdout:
1,49
